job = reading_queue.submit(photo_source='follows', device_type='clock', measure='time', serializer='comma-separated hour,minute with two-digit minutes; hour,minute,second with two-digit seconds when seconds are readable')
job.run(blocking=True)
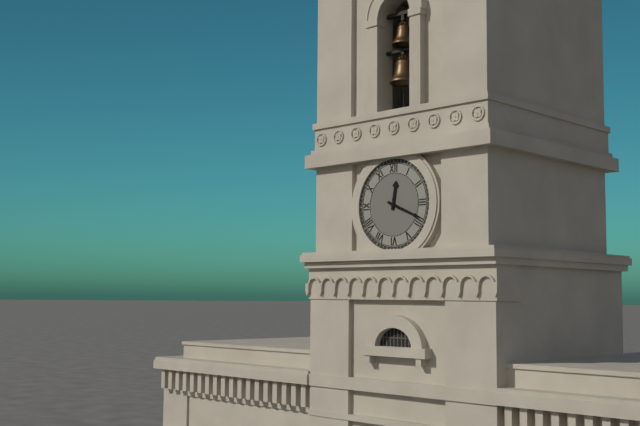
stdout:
12,19
